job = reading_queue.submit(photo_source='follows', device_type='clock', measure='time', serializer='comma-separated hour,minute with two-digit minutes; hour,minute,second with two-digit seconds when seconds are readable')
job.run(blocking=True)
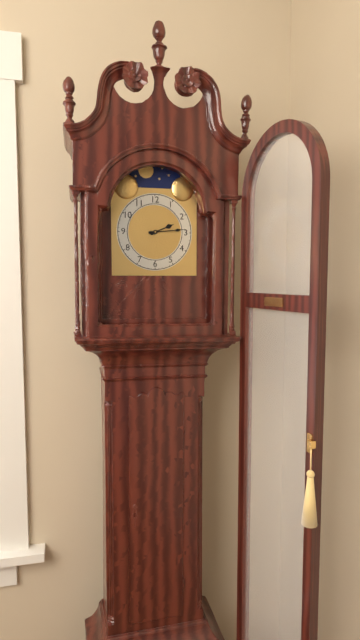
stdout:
2,14
